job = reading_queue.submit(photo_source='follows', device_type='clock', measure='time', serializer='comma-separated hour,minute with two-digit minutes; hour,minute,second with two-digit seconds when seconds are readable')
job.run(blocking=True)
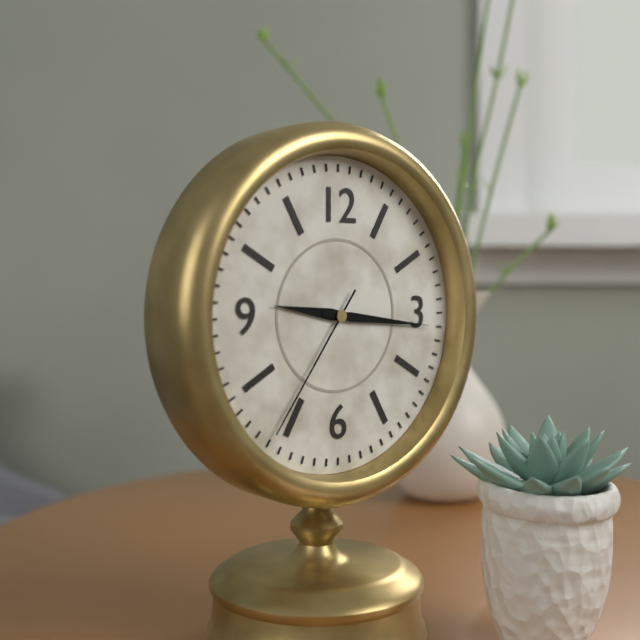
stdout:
9,16,36
